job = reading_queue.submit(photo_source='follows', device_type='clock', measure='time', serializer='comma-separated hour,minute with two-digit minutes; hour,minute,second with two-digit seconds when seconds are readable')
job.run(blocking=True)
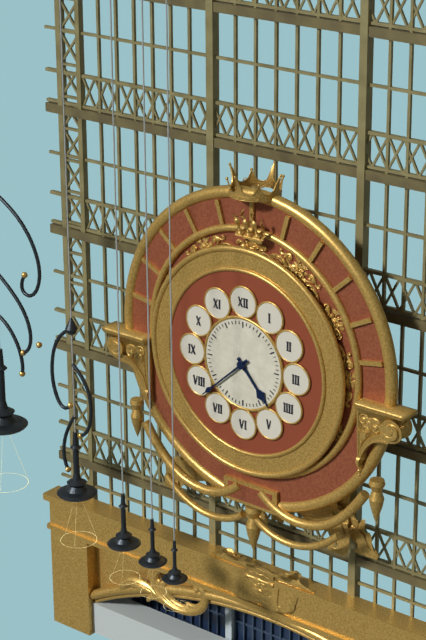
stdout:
4,38
